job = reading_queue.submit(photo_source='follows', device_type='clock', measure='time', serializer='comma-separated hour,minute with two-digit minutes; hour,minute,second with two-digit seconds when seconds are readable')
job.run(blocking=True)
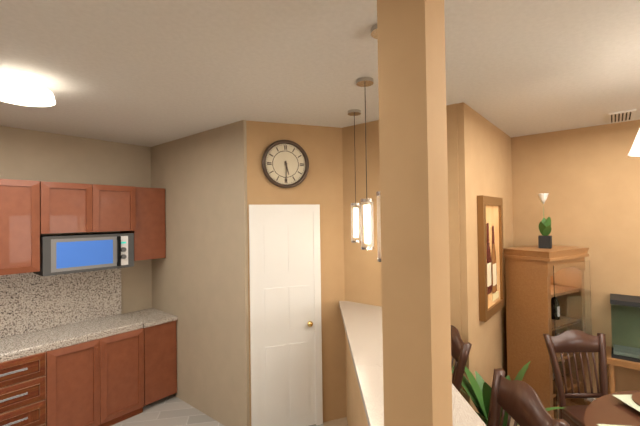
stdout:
5,30
